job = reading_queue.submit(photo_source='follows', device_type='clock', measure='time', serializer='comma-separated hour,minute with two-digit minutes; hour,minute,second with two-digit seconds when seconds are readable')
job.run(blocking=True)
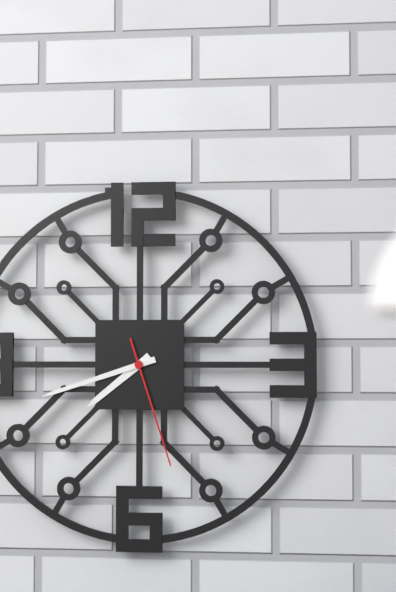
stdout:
7,42,27
